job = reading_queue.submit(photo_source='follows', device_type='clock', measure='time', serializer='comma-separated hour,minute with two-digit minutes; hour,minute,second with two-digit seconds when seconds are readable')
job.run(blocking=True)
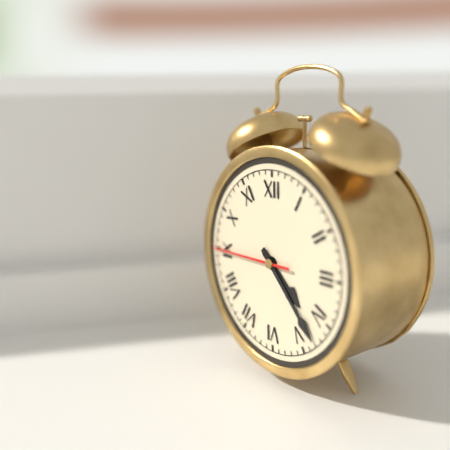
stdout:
4,23,45
